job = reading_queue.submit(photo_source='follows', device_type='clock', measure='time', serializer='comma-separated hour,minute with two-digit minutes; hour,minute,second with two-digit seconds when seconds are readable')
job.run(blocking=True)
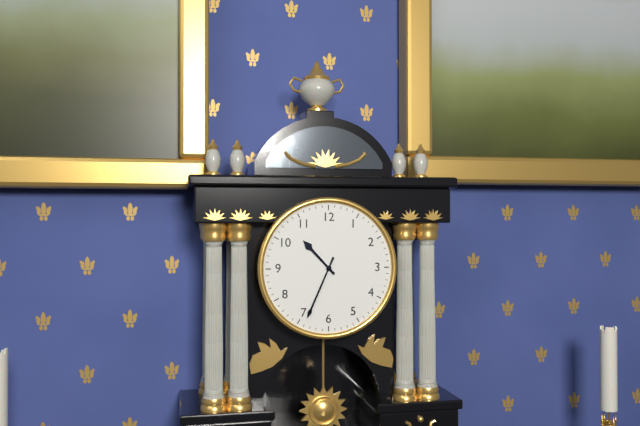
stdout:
10,34
